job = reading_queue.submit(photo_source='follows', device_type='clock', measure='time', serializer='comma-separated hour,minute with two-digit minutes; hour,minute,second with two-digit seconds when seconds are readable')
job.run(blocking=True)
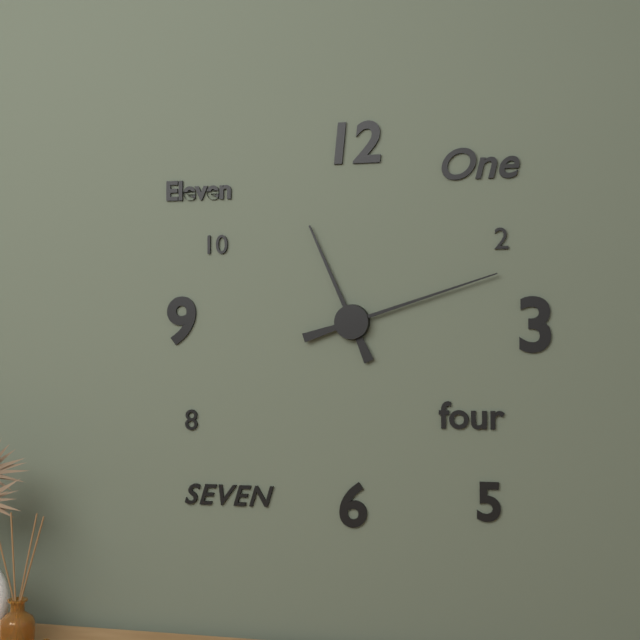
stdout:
11,12
